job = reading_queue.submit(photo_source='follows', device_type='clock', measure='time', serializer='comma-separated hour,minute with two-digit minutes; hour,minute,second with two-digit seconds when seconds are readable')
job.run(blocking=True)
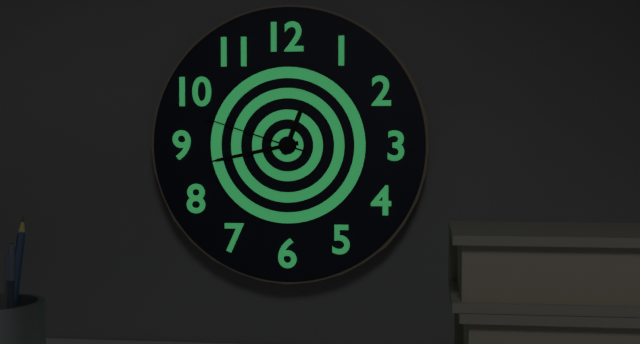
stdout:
12,43,48
